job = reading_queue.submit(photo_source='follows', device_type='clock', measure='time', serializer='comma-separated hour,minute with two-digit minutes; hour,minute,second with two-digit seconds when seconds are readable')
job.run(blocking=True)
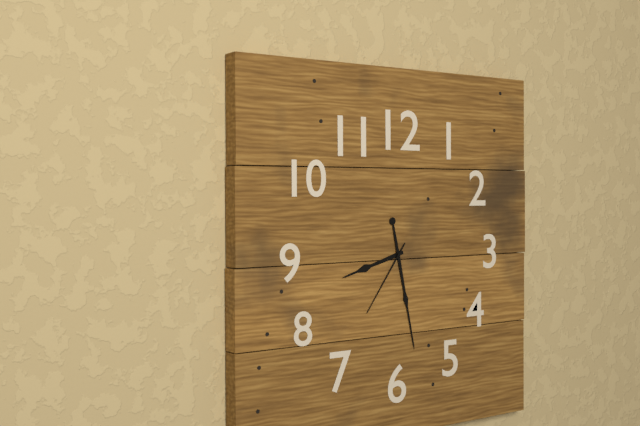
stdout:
8,28,36
